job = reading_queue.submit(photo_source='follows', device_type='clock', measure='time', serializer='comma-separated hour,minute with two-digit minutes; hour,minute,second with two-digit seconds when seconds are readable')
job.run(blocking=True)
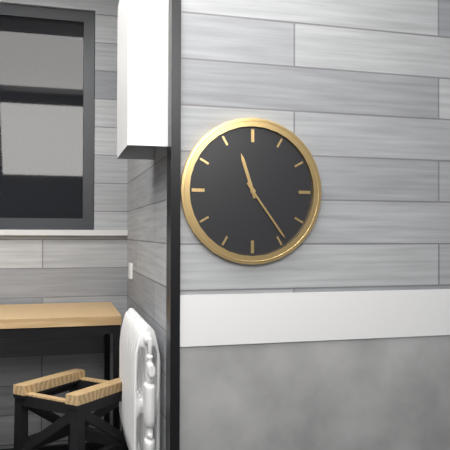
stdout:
11,24
